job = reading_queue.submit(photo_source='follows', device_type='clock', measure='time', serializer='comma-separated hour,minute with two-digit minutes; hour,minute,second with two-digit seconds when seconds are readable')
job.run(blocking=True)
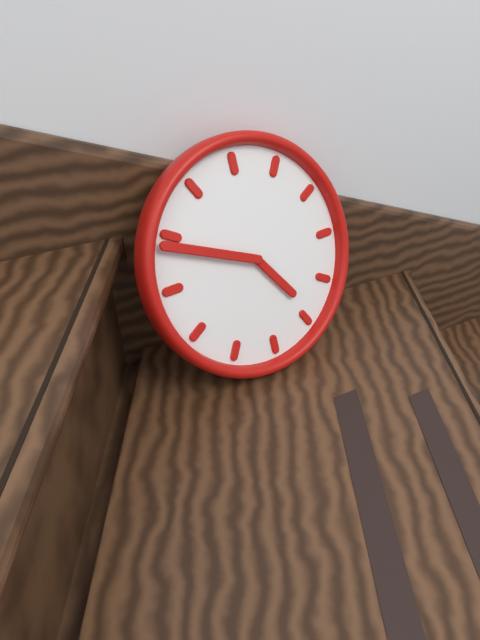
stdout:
4,49
